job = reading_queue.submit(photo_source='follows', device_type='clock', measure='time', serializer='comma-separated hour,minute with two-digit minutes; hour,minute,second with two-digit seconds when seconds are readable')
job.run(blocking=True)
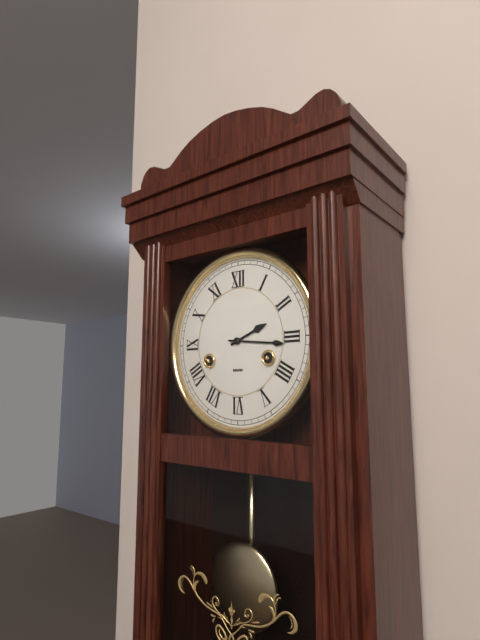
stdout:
2,16
